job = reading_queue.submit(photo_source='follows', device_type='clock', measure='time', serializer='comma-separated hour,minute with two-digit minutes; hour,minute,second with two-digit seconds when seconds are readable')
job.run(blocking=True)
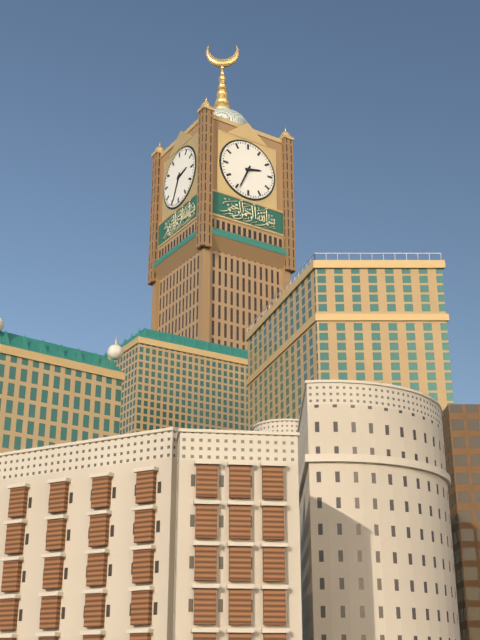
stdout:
2,34
